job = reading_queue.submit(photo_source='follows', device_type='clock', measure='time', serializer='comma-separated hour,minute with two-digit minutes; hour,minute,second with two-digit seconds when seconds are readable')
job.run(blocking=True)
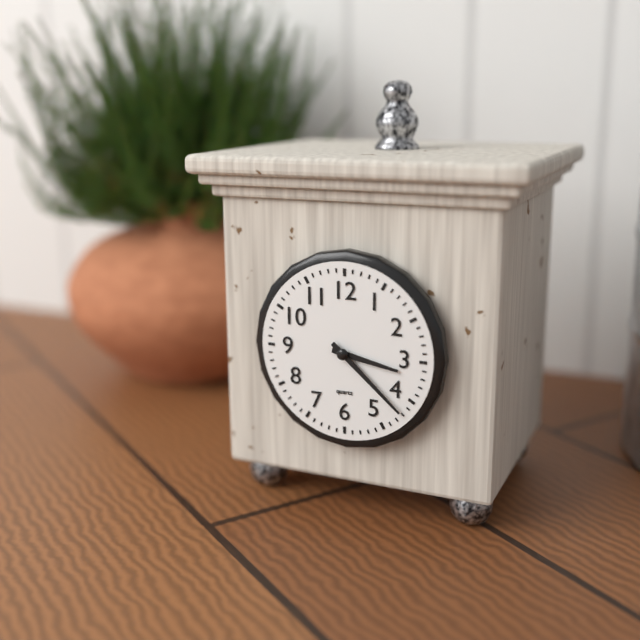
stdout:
3,22
